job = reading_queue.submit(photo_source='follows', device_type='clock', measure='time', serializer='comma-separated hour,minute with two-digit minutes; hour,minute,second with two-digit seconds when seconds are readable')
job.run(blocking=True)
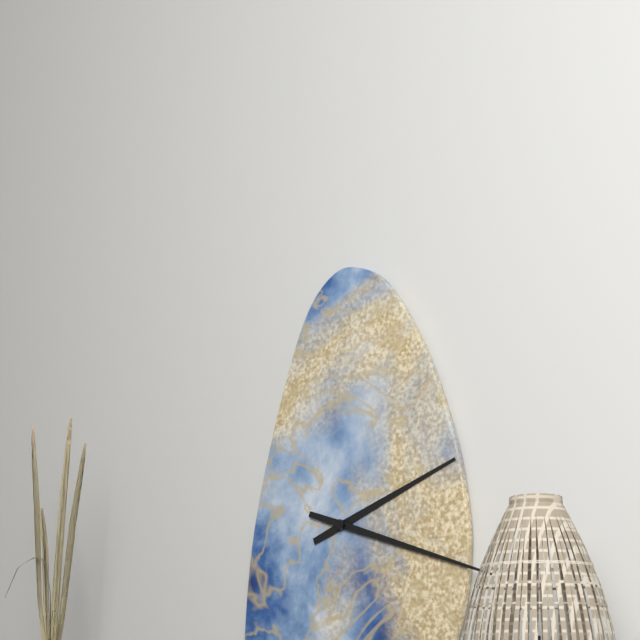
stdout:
2,18
